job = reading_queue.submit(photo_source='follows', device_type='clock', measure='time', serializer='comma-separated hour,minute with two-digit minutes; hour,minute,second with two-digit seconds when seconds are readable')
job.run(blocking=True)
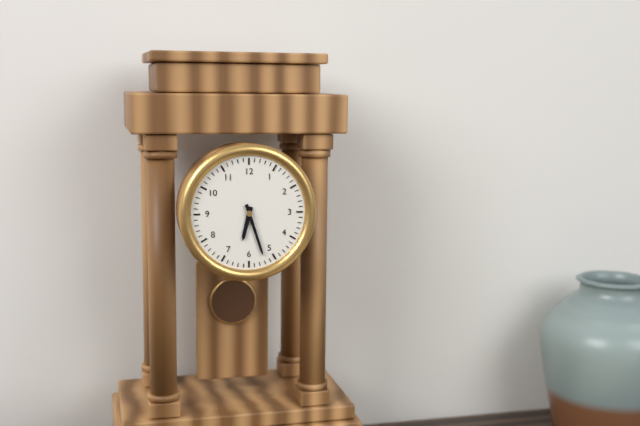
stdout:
6,27
